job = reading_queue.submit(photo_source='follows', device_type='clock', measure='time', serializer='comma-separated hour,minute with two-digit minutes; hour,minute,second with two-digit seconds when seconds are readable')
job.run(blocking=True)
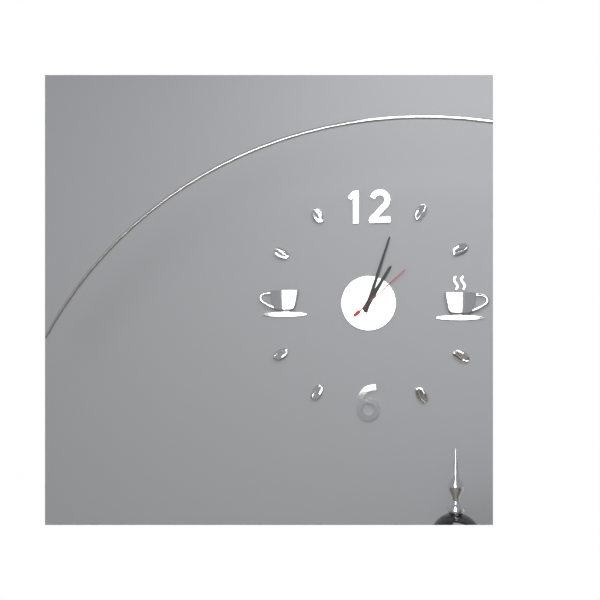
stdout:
1,03,08
